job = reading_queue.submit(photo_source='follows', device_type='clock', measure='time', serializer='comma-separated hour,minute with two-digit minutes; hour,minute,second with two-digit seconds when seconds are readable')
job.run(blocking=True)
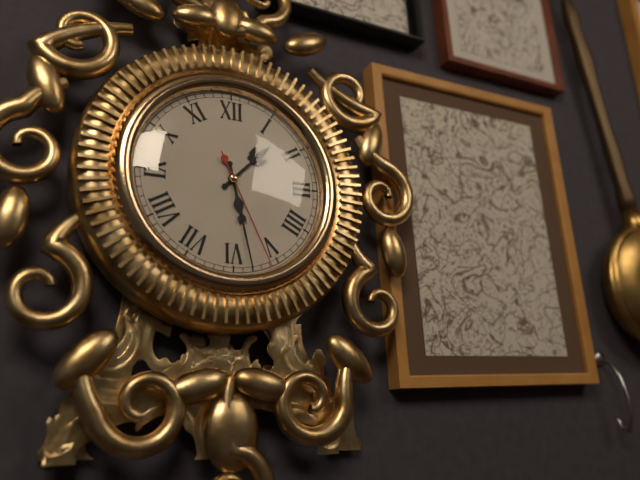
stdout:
1,28,26
